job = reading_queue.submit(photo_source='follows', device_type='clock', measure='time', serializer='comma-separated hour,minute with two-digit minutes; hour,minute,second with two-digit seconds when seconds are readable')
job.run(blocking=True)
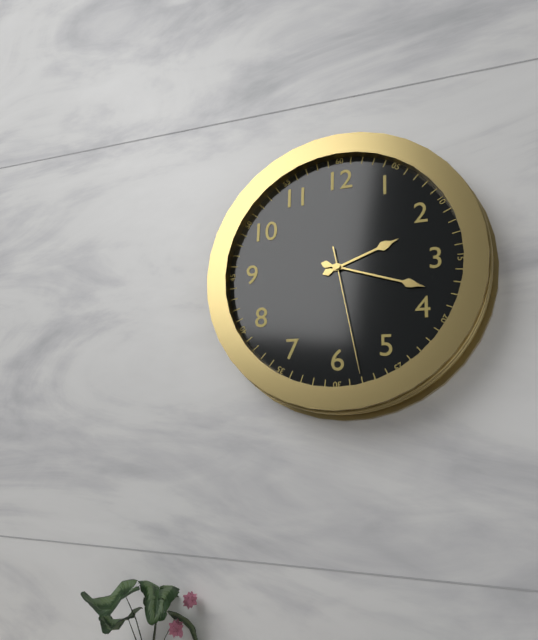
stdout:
2,18,28
